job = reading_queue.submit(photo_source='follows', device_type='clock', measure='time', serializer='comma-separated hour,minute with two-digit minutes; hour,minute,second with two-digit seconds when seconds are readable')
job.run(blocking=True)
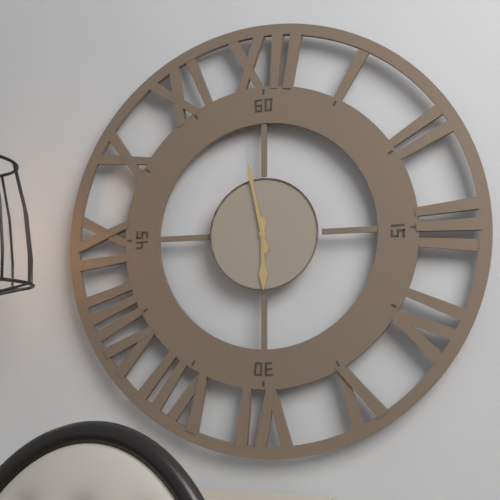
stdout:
5,58
